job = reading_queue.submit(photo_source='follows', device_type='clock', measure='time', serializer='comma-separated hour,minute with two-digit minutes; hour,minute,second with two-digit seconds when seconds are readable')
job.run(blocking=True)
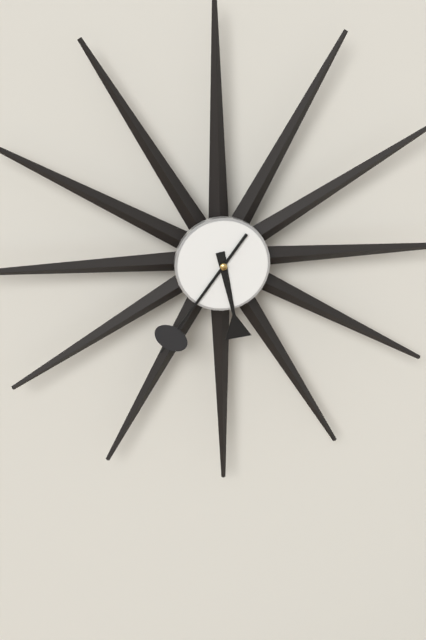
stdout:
5,36
